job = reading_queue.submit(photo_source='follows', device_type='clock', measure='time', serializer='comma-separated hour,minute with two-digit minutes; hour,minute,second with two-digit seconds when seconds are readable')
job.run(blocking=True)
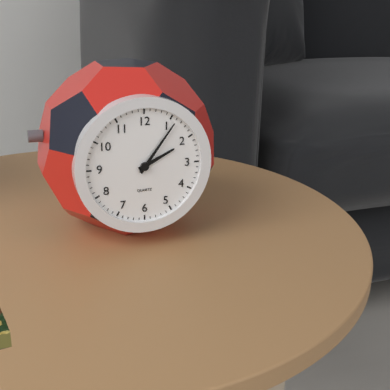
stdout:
2,06
